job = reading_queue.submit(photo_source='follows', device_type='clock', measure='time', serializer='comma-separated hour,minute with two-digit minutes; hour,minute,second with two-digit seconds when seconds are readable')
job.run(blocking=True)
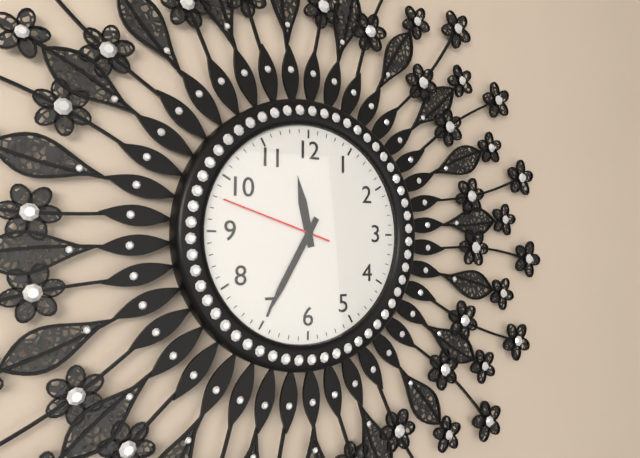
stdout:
11,35,48
